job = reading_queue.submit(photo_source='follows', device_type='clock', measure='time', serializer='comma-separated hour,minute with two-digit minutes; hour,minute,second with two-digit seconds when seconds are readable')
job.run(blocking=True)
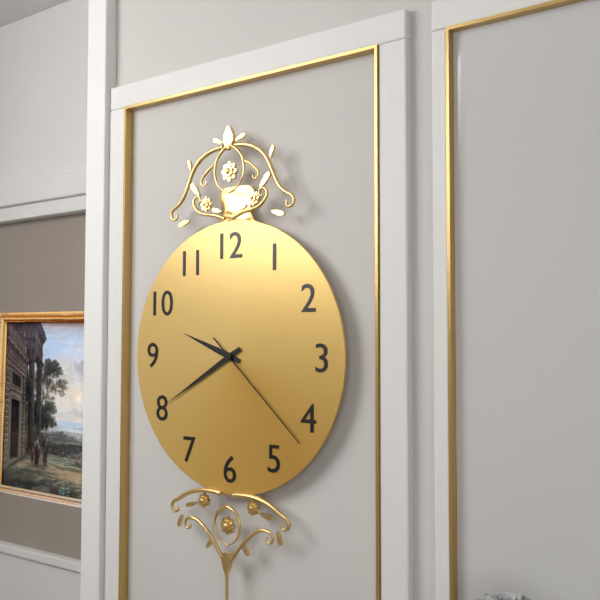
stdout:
9,40,22
